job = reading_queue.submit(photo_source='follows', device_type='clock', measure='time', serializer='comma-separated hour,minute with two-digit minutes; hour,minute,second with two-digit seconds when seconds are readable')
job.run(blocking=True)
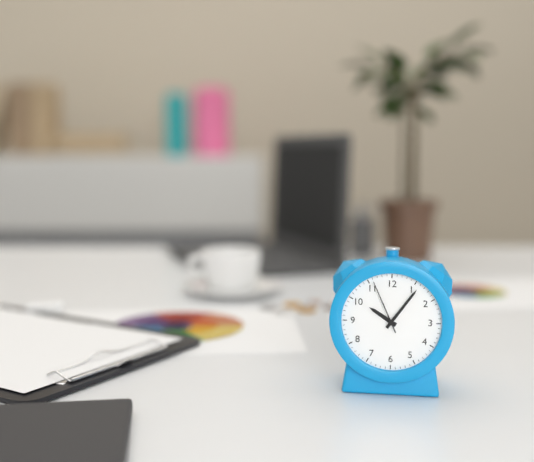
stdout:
10,06,56
